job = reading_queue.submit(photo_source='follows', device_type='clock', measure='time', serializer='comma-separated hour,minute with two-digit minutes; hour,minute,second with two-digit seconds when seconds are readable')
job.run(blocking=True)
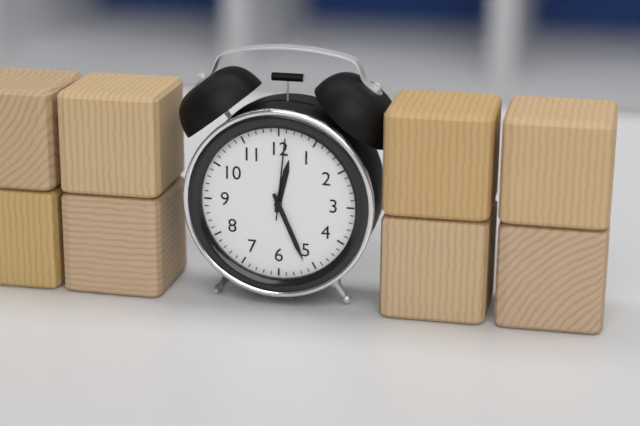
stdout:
12,26,01
